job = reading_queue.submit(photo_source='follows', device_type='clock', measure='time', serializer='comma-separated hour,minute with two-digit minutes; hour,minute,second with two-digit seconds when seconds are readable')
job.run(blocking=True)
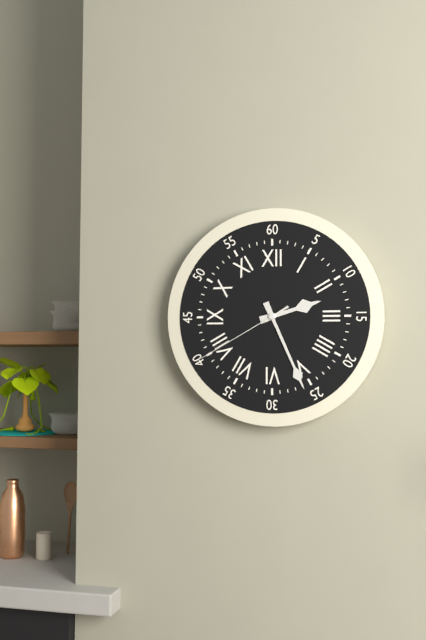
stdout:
2,26,40
